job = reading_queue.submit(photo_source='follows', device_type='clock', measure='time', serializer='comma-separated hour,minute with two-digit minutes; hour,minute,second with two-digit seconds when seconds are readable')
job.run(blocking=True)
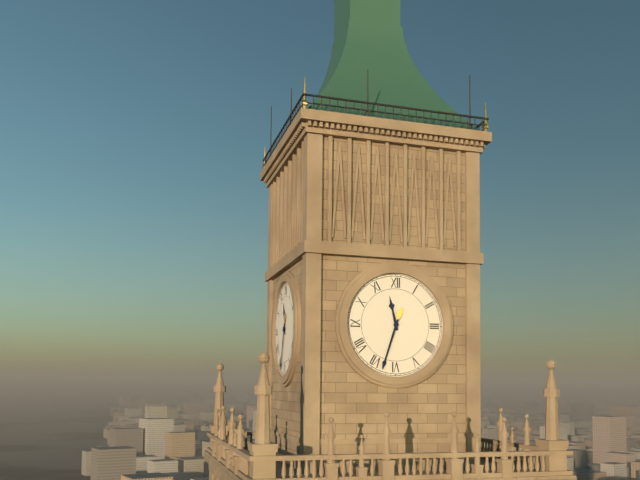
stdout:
11,33
